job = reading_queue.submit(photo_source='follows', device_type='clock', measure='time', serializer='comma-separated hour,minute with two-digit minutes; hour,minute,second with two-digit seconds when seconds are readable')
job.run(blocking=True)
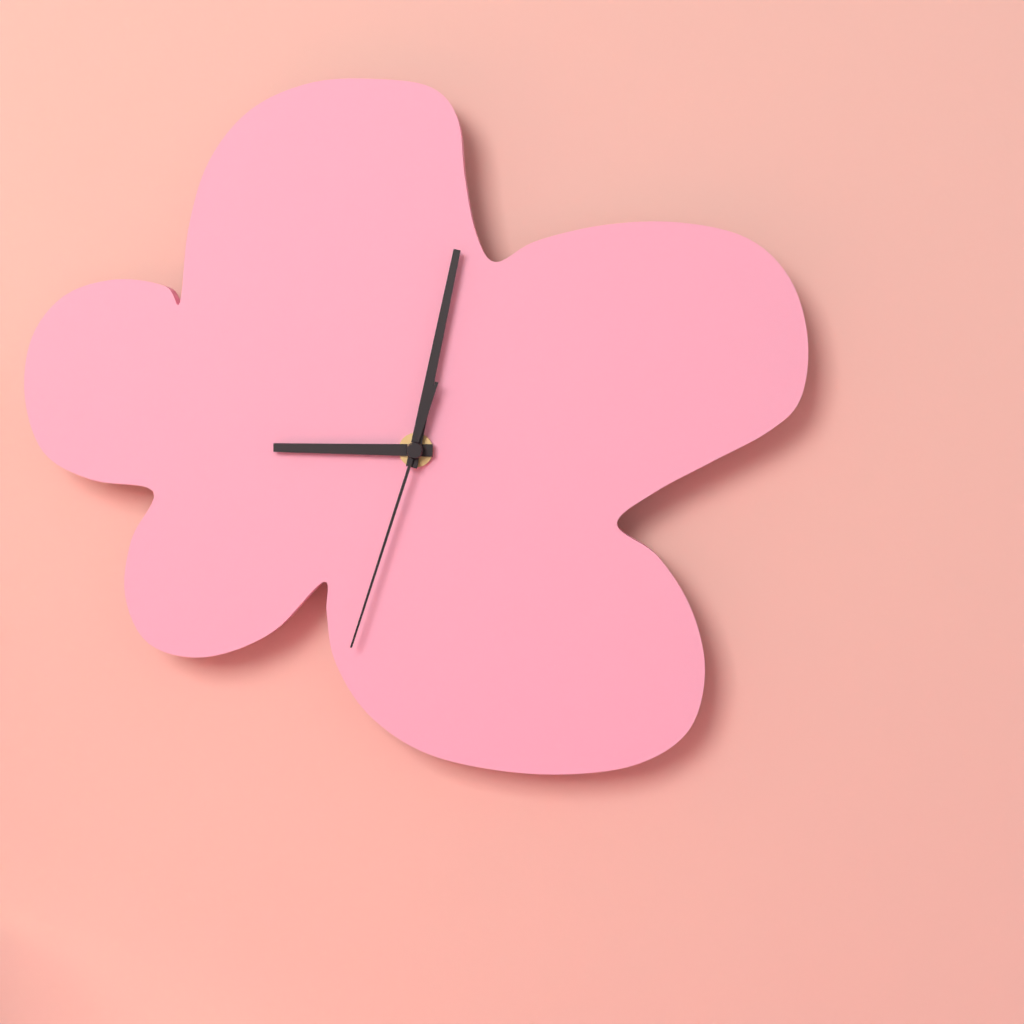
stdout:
9,02,33
